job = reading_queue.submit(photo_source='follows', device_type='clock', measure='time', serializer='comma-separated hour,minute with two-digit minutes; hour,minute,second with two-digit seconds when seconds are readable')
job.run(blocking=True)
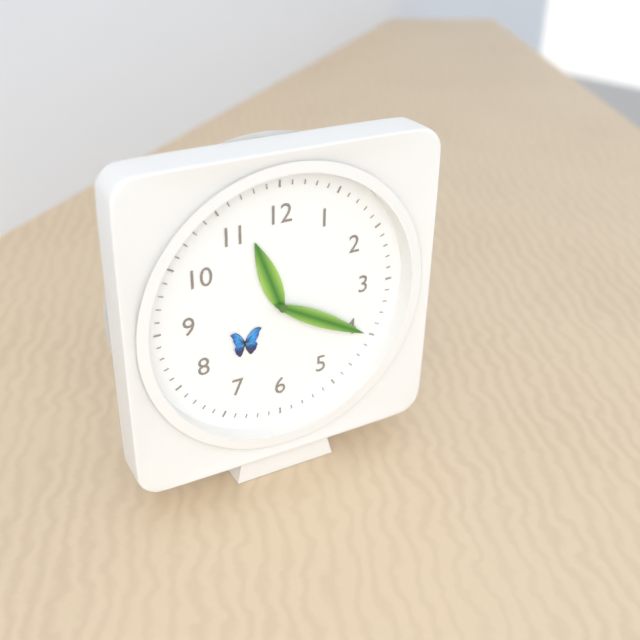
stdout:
11,20
